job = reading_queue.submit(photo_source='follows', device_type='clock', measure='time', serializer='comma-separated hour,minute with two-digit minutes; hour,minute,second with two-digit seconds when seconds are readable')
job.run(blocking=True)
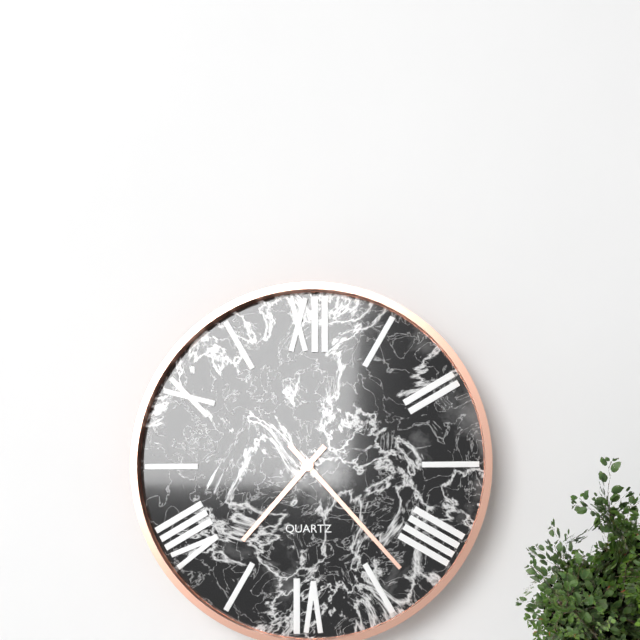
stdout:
7,23
